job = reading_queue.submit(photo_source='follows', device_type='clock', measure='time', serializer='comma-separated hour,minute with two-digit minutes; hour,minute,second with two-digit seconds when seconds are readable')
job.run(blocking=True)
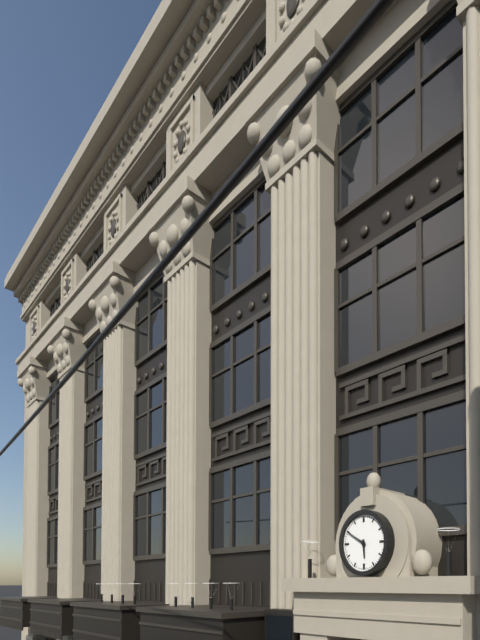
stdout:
5,50
